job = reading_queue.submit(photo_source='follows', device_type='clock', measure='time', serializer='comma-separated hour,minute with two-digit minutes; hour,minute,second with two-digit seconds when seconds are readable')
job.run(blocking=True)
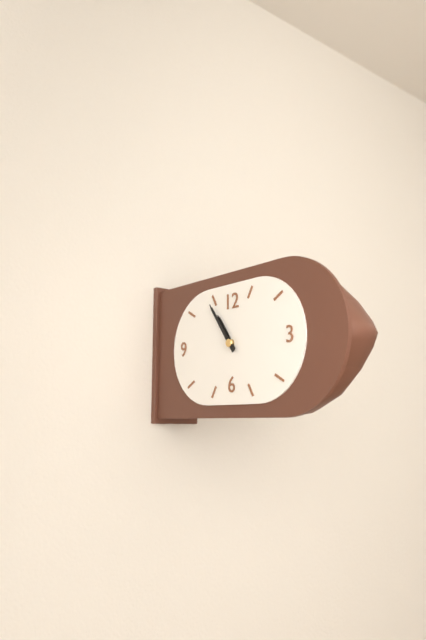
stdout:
10,54
